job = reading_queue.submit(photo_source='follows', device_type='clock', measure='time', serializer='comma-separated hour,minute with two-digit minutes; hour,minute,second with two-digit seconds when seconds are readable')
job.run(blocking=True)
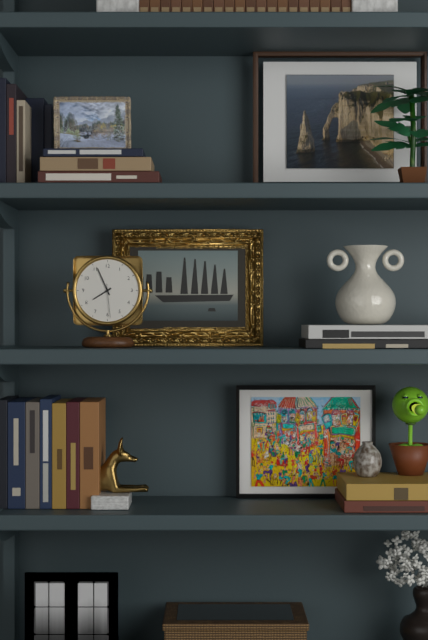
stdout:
7,56
